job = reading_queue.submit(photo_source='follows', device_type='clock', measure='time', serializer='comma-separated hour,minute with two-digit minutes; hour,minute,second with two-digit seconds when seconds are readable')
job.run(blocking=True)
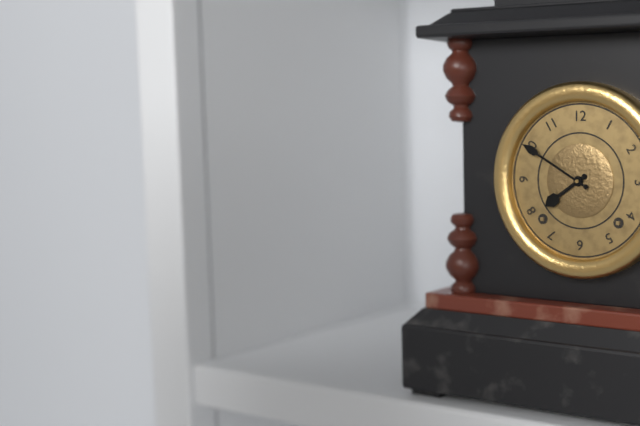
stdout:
7,50
